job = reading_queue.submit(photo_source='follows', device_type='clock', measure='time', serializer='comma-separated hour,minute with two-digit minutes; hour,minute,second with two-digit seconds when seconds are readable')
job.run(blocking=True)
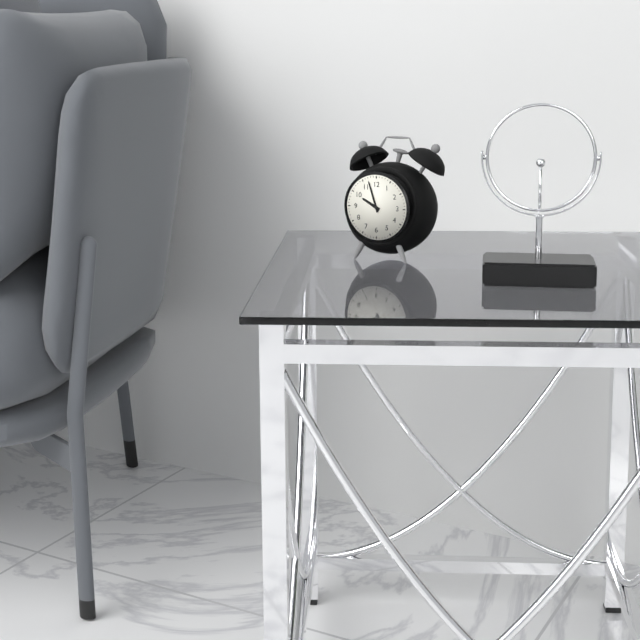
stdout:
9,57
